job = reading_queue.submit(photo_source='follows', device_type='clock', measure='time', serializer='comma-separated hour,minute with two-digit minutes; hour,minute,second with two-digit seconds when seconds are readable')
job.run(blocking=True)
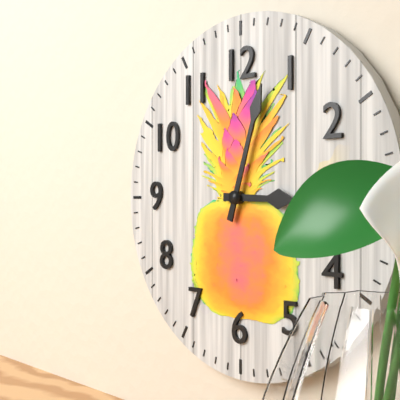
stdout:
3,03
